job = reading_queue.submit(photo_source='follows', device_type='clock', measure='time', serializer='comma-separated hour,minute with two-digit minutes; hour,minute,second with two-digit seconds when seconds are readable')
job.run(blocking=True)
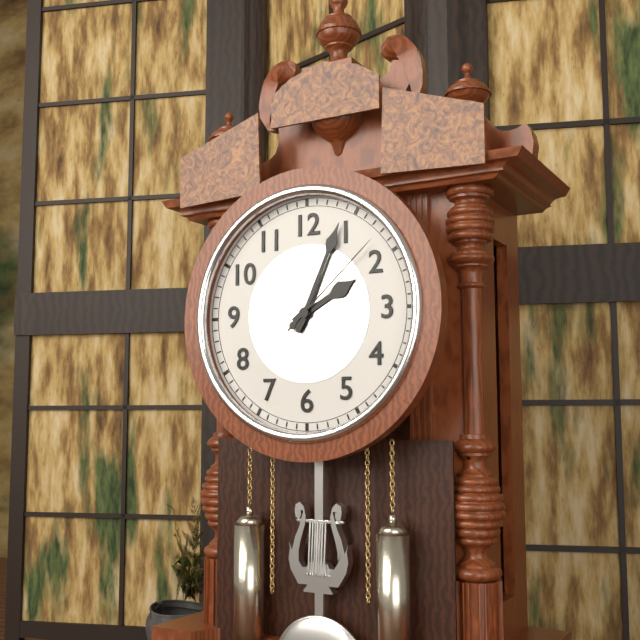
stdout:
2,04,08
